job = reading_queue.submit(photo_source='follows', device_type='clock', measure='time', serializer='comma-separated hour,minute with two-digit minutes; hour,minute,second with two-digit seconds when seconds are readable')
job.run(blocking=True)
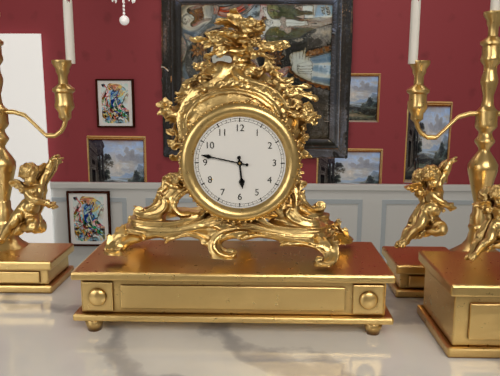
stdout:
5,47
